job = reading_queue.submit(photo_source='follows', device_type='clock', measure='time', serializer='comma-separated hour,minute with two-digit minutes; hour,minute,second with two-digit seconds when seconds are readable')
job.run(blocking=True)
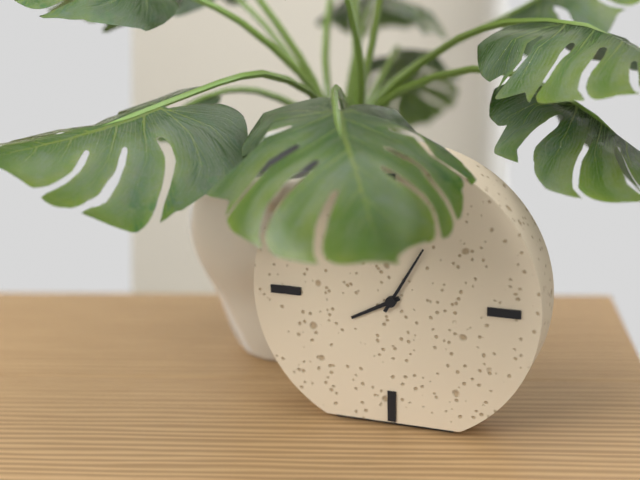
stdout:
8,05
